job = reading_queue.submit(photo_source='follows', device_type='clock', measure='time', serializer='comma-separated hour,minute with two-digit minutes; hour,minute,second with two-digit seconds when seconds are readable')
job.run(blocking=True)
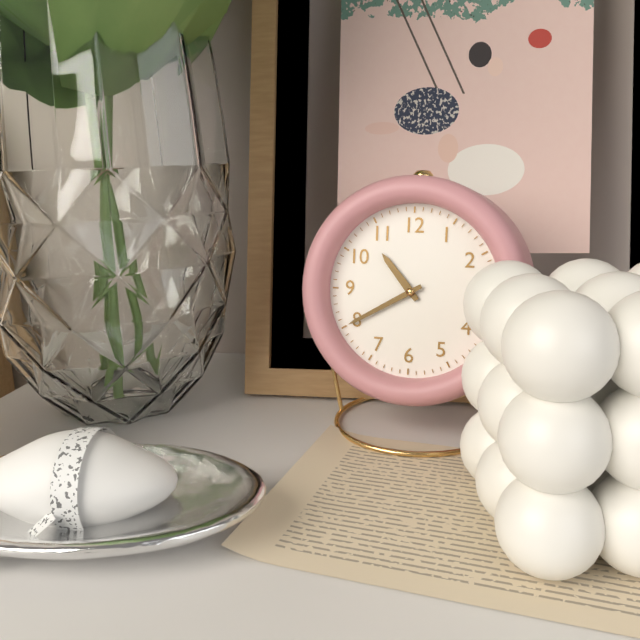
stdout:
10,40
